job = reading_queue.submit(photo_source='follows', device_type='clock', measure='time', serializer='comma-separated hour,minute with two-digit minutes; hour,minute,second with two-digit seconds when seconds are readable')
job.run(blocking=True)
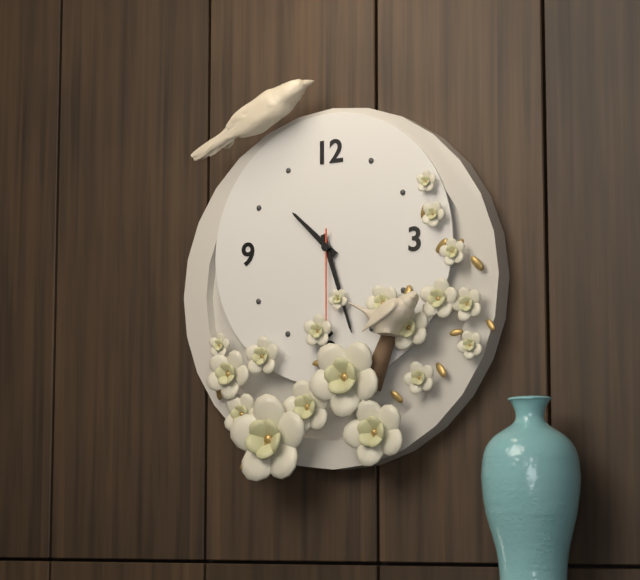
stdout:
10,27,30
